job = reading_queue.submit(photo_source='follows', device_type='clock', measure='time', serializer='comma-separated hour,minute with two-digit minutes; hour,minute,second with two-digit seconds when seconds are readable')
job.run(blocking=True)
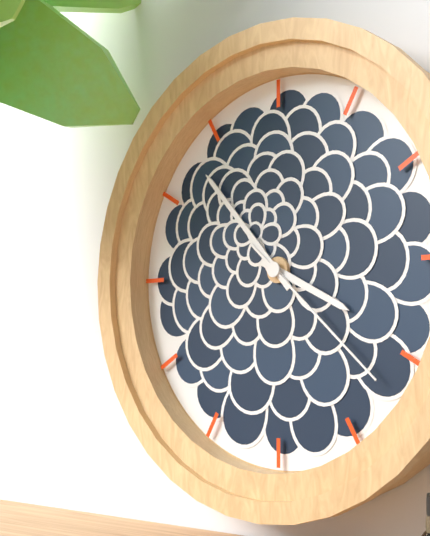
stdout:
3,53,22
